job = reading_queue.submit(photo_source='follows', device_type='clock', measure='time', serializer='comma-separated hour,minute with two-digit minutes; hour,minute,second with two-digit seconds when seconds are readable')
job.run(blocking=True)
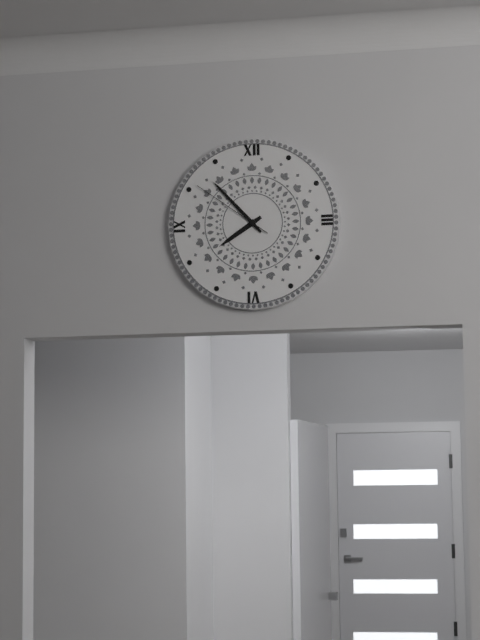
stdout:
7,53,51
